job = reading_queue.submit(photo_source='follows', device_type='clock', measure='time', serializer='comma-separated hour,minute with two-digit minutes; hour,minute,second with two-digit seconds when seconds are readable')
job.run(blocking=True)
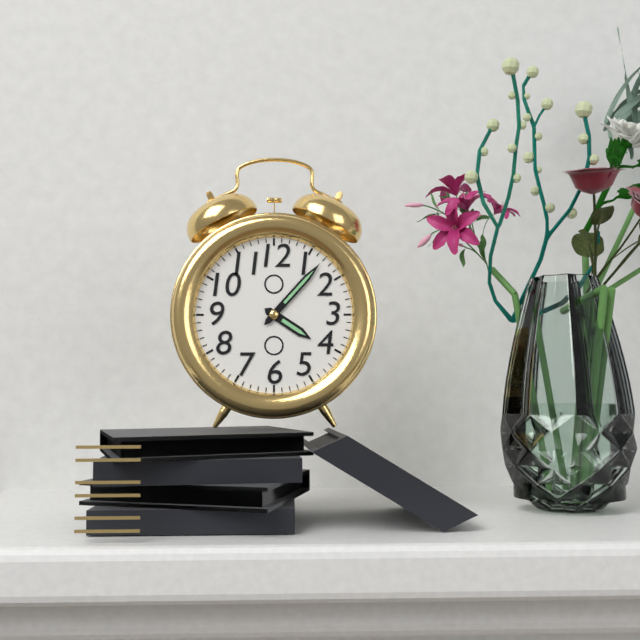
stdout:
4,07
